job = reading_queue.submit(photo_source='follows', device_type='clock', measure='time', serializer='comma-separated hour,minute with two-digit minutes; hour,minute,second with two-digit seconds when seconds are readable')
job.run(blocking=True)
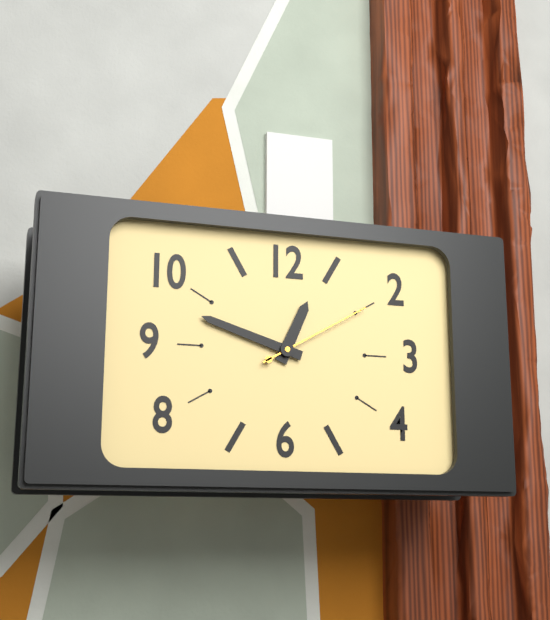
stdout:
12,48,10
